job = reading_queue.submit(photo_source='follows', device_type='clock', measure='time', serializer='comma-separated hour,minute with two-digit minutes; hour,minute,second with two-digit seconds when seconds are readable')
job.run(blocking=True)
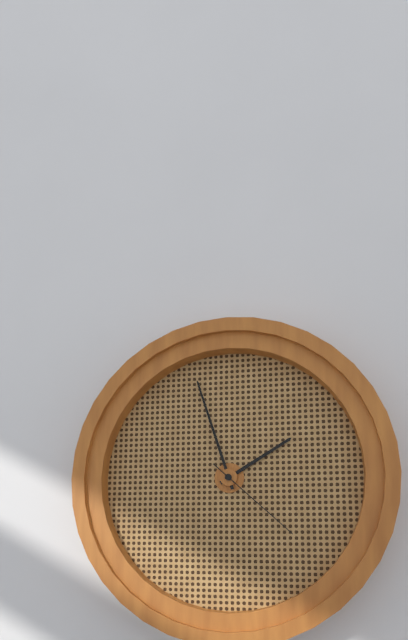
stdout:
1,57,22
